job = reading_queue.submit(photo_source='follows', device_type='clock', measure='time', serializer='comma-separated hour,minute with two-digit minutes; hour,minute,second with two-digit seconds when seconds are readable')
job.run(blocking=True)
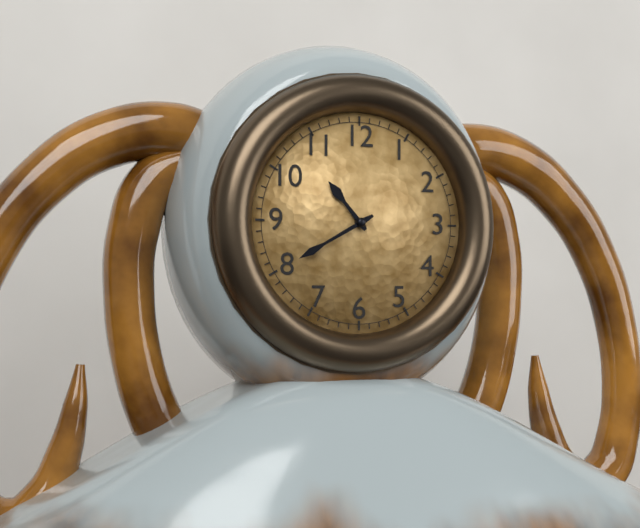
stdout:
10,40
